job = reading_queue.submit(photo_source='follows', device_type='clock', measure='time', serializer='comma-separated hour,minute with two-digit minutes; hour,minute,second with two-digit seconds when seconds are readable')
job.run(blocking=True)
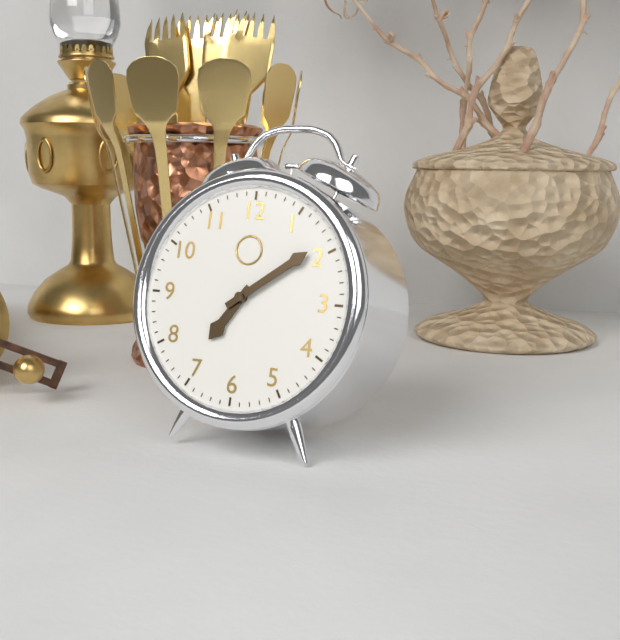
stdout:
7,09
